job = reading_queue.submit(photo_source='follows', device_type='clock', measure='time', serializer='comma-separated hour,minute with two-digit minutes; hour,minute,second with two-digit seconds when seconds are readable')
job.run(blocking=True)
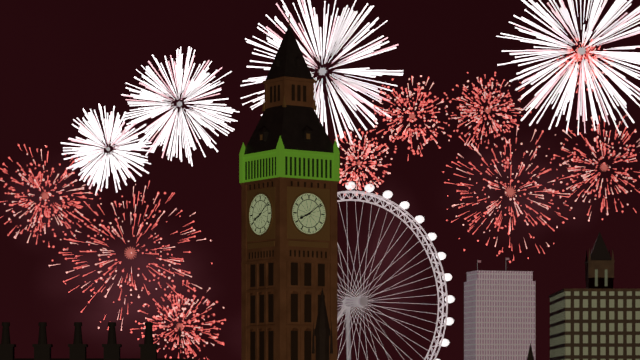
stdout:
8,09
